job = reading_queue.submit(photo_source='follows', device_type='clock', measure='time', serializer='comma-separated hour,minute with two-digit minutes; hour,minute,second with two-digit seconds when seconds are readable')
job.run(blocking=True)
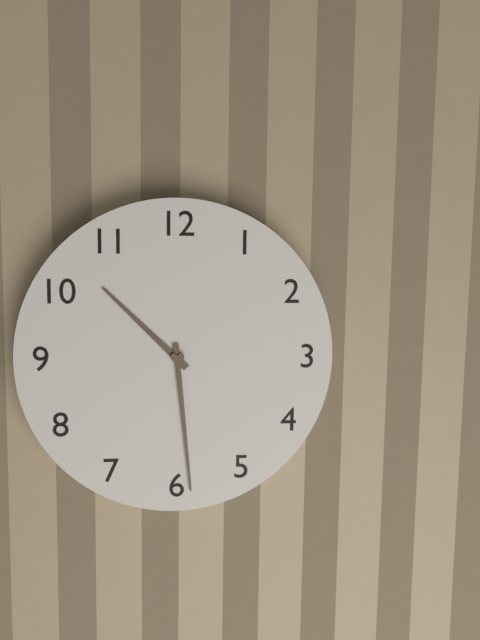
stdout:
10,29
